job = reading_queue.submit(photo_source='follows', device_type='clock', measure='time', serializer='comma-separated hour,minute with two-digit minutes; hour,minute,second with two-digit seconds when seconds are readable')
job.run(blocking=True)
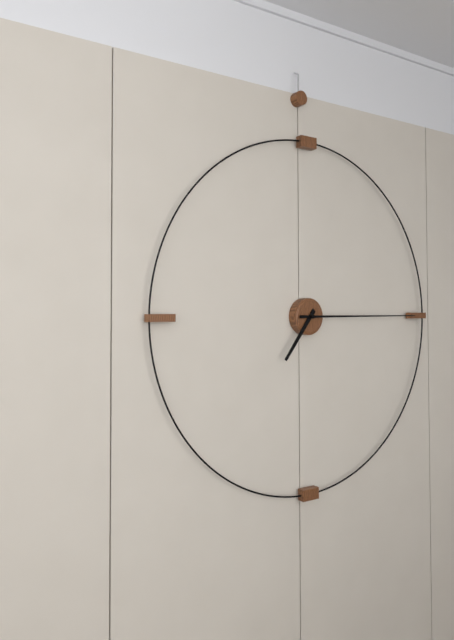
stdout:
7,15
